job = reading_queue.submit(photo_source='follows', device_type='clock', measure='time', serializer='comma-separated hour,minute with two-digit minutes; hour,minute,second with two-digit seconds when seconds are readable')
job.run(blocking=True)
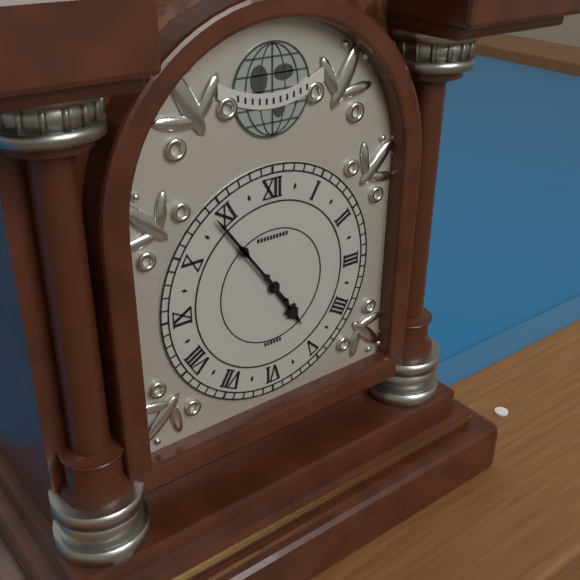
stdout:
4,54
